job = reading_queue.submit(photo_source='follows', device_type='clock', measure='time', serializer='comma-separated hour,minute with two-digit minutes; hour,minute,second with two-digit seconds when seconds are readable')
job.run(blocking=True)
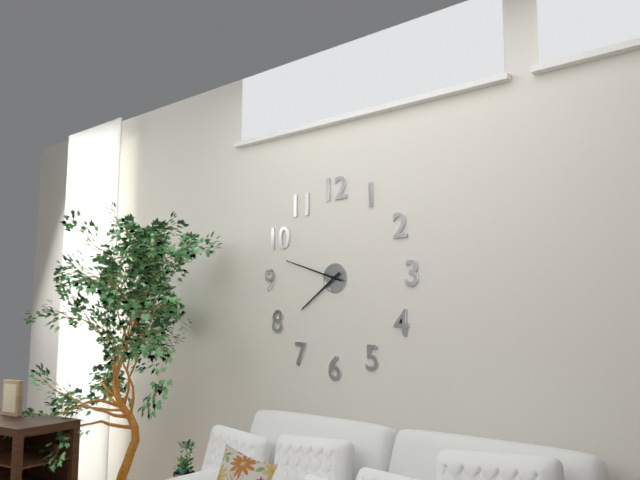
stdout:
7,48
